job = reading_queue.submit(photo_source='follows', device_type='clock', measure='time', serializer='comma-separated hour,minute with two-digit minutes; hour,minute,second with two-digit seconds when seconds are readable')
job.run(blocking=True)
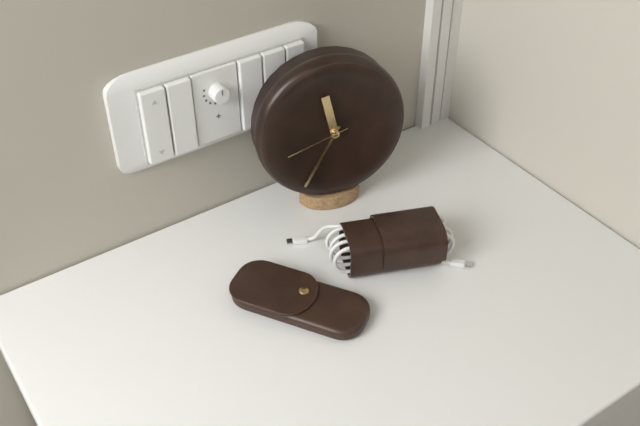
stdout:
11,35,42
